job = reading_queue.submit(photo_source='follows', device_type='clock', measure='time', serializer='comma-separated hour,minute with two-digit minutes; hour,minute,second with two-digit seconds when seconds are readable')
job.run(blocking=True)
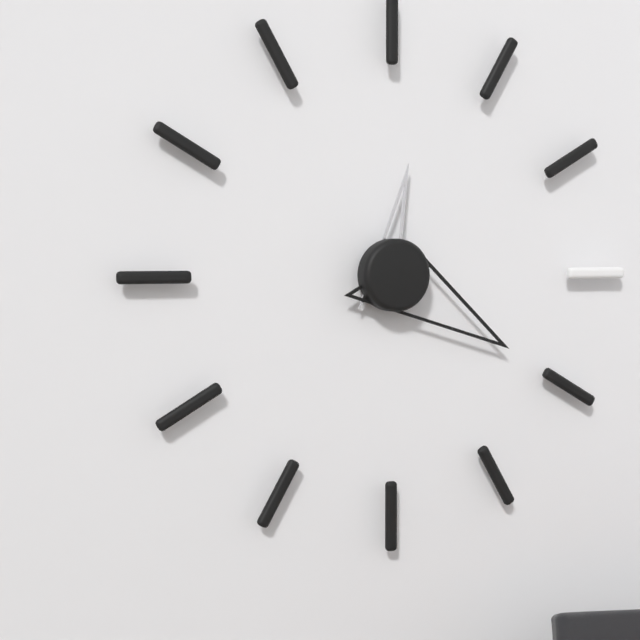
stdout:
12,20
